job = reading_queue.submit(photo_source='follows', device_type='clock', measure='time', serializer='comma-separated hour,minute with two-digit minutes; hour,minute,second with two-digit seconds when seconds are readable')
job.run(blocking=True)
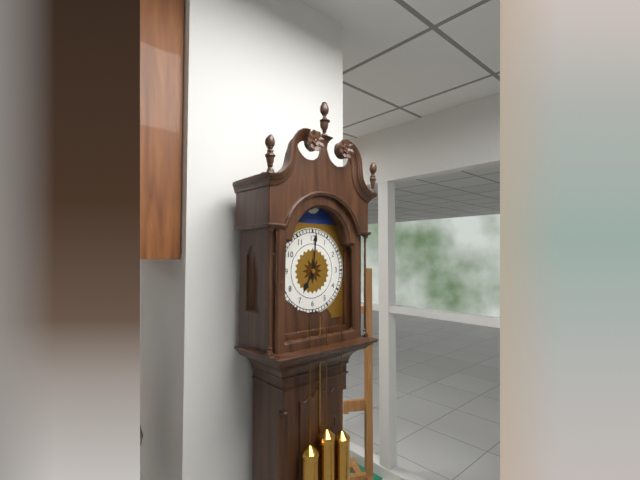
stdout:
7,01
